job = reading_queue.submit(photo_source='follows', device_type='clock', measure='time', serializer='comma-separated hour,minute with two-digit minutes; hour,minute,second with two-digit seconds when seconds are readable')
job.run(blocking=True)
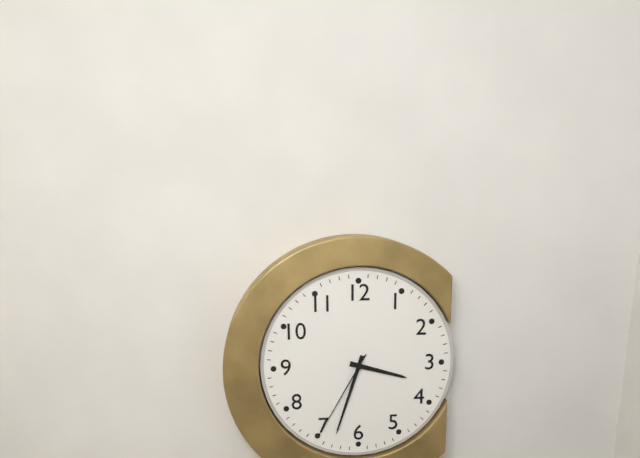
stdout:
3,33,35
